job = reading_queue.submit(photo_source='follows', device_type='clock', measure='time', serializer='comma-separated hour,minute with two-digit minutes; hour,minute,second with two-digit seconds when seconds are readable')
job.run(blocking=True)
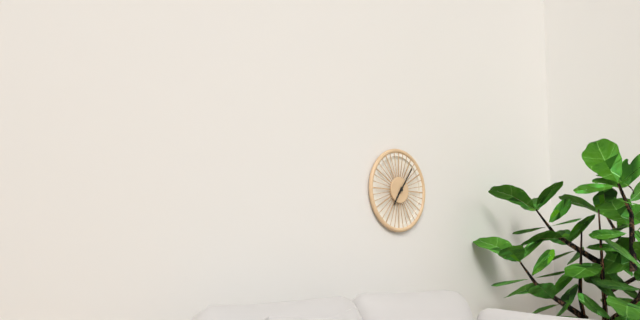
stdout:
7,06
